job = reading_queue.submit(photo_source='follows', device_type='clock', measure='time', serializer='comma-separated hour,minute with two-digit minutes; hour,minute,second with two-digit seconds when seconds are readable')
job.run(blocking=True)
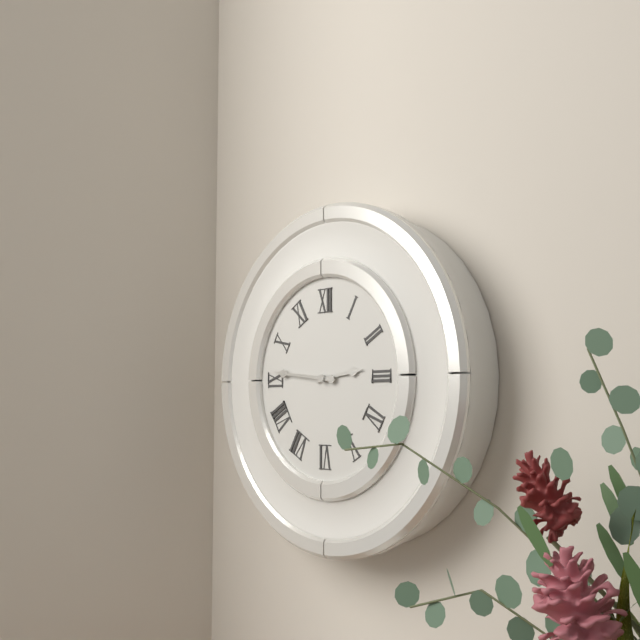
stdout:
2,46
